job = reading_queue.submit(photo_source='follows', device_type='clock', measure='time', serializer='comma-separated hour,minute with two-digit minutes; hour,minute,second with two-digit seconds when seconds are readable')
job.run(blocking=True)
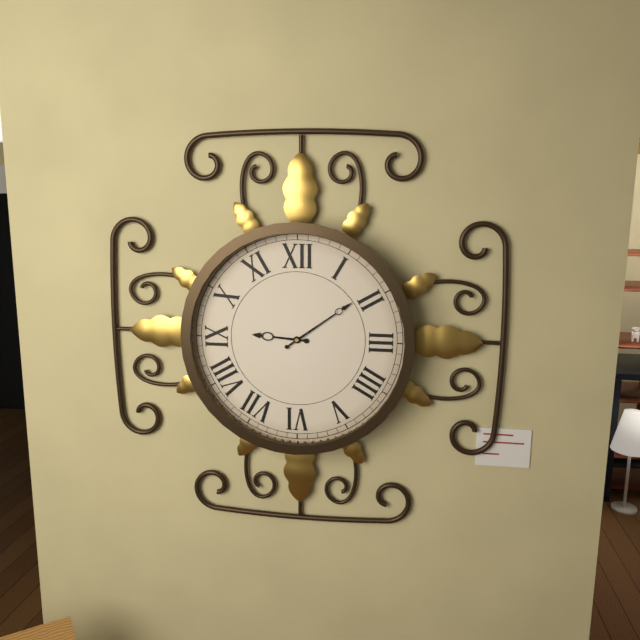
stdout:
9,09
